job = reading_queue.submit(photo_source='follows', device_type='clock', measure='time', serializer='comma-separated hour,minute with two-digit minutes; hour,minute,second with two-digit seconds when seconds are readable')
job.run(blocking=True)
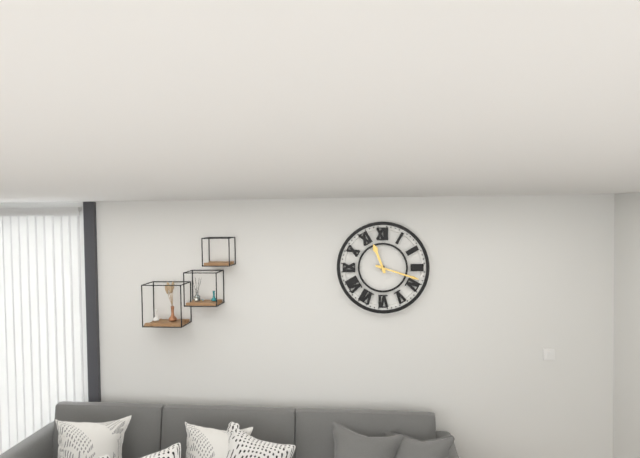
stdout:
11,18
